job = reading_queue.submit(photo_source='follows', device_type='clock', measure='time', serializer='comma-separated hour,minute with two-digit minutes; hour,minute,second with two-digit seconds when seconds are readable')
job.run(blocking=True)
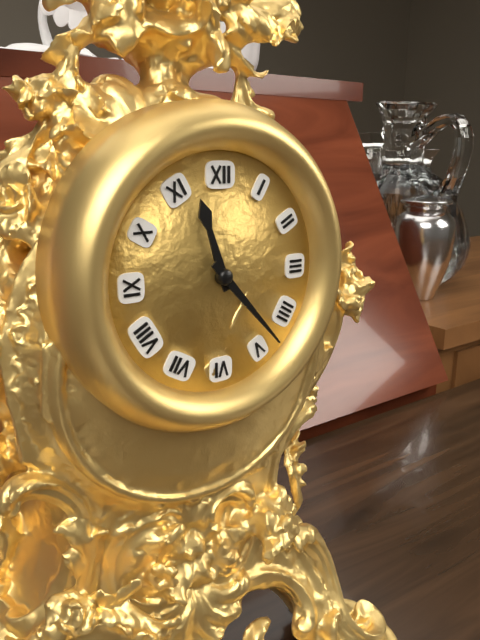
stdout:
11,23
